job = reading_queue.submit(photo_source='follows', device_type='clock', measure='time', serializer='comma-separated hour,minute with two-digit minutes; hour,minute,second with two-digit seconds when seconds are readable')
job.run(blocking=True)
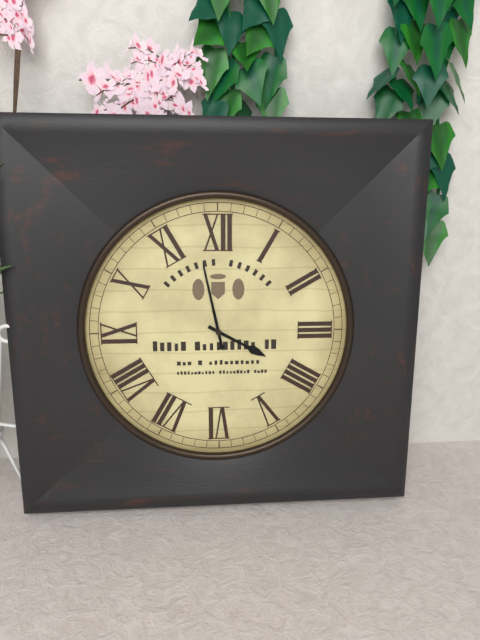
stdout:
3,58
